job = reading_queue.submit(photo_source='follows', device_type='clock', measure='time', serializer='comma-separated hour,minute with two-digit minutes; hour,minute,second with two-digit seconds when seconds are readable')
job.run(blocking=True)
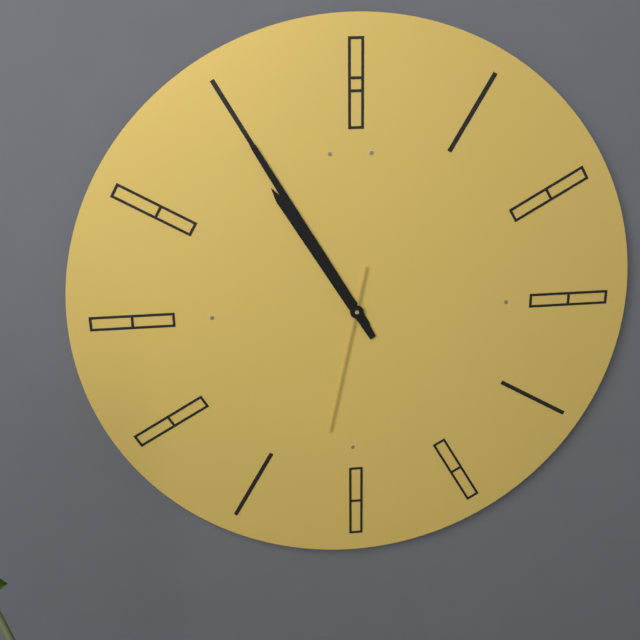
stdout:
10,55,32
